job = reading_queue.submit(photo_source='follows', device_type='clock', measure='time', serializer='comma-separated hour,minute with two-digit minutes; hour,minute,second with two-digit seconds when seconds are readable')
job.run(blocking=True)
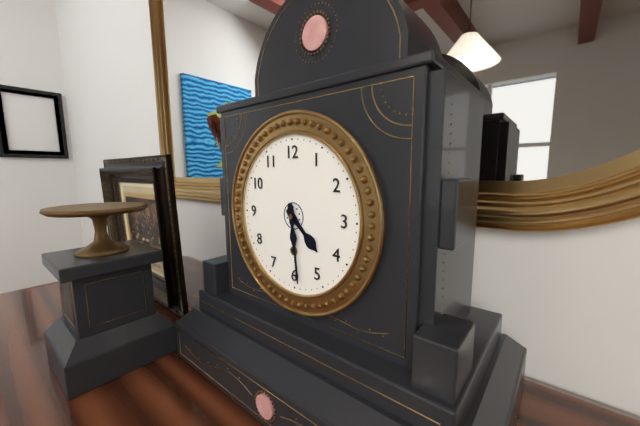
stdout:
4,29
